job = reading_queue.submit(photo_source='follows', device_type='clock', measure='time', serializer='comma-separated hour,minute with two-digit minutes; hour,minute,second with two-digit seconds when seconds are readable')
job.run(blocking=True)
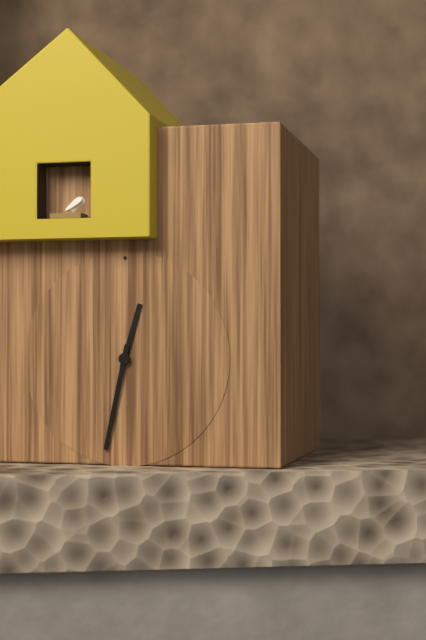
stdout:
12,32
